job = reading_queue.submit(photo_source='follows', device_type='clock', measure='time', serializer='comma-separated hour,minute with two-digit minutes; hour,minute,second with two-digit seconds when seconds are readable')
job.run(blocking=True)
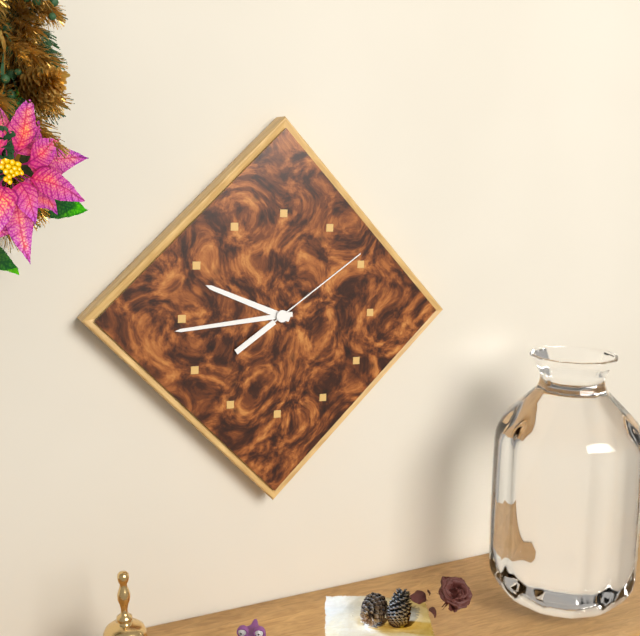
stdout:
9,44,09
